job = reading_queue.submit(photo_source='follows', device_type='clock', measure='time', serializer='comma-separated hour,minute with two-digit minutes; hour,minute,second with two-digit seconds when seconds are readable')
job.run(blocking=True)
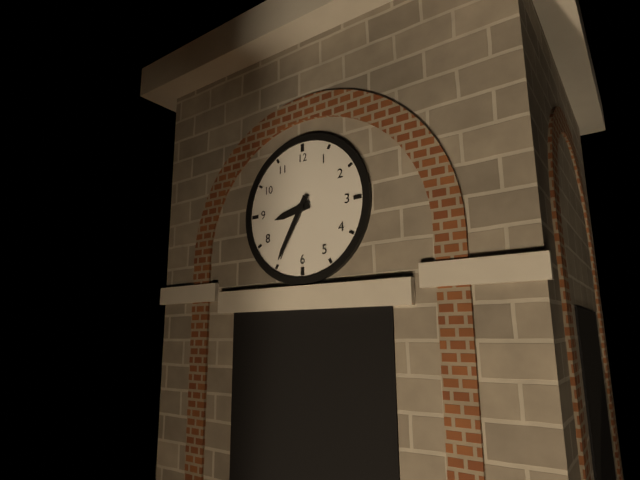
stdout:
8,35
